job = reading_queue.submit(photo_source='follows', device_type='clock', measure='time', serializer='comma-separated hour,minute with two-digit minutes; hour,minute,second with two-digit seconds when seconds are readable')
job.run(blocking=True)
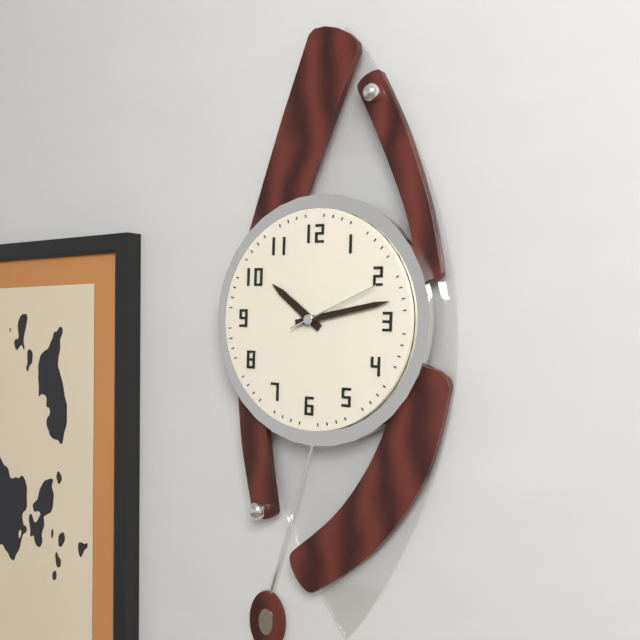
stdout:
10,13,11
